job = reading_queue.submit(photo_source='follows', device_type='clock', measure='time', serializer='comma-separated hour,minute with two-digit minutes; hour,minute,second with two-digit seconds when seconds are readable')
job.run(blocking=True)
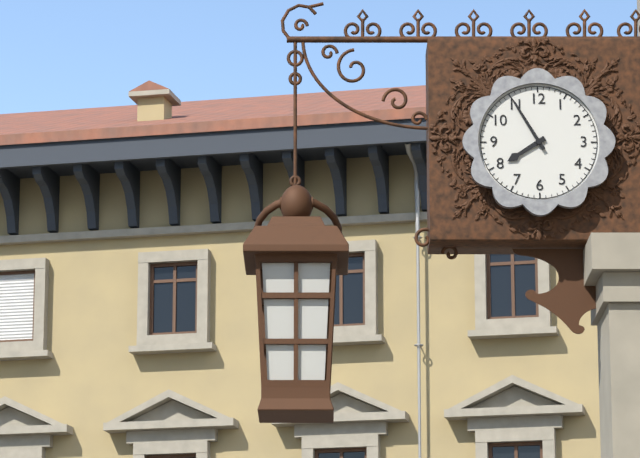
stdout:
7,55
